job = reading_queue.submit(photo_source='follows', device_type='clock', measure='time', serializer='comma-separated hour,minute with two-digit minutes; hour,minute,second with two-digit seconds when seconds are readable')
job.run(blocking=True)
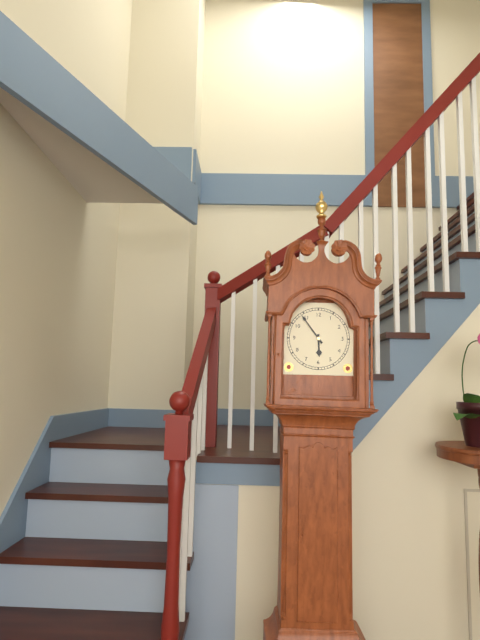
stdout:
5,54
